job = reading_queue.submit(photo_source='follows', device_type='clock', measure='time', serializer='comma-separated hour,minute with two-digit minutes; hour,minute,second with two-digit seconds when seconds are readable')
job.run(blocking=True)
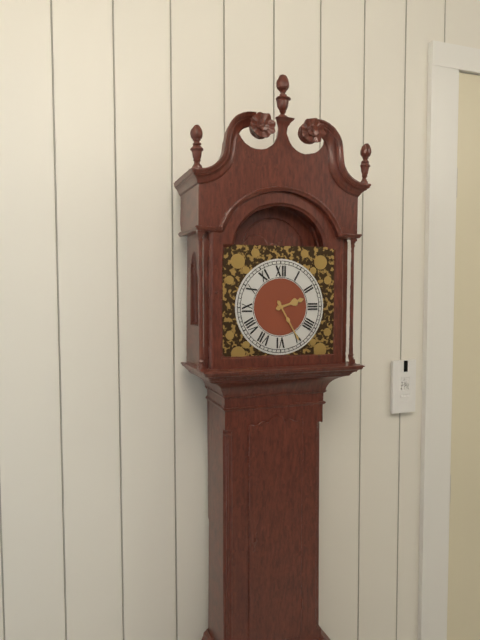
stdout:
2,25
